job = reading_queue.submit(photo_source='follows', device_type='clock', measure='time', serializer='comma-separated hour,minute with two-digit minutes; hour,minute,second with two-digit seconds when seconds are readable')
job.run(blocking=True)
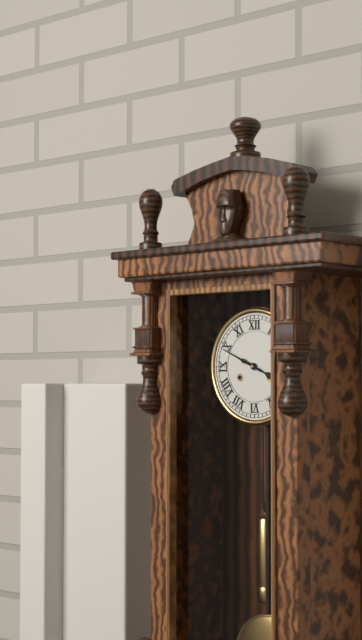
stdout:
3,49
